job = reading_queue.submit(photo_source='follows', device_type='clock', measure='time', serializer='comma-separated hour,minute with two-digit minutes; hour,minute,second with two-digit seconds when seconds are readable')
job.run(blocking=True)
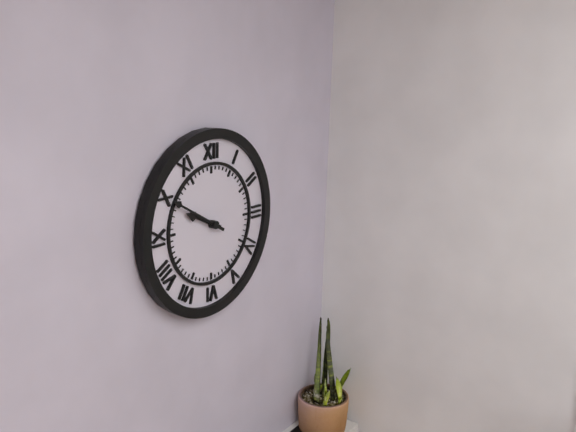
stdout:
9,50
